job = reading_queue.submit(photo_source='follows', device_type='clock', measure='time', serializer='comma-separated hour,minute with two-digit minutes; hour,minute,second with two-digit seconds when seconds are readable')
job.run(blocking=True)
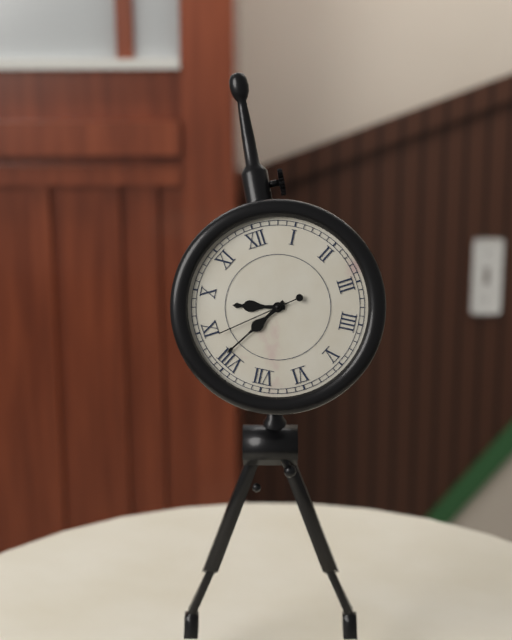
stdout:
9,41,44
